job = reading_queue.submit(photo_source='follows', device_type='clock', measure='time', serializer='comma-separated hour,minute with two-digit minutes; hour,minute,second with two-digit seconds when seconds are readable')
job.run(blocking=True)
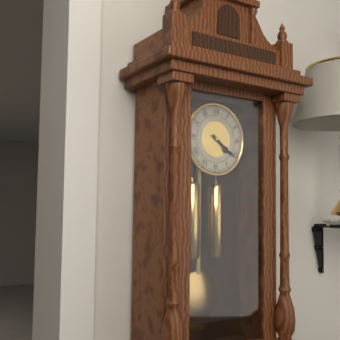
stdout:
4,21
